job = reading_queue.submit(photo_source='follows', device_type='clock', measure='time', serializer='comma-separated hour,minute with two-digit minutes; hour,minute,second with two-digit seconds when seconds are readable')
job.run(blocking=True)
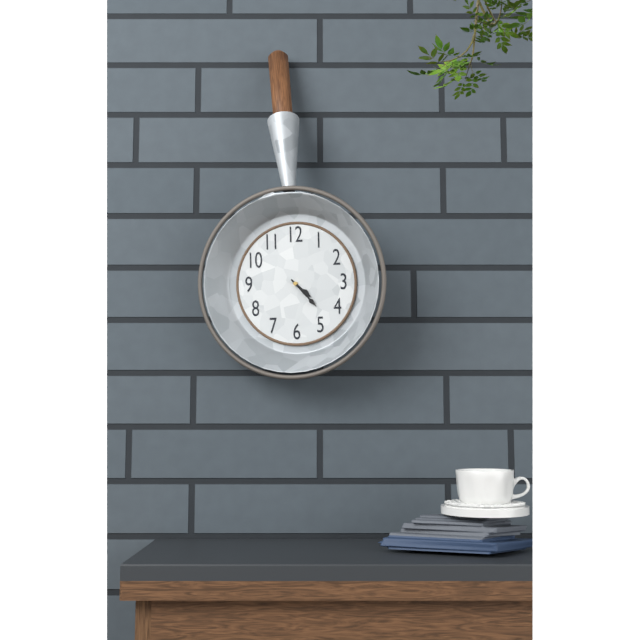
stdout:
4,23
